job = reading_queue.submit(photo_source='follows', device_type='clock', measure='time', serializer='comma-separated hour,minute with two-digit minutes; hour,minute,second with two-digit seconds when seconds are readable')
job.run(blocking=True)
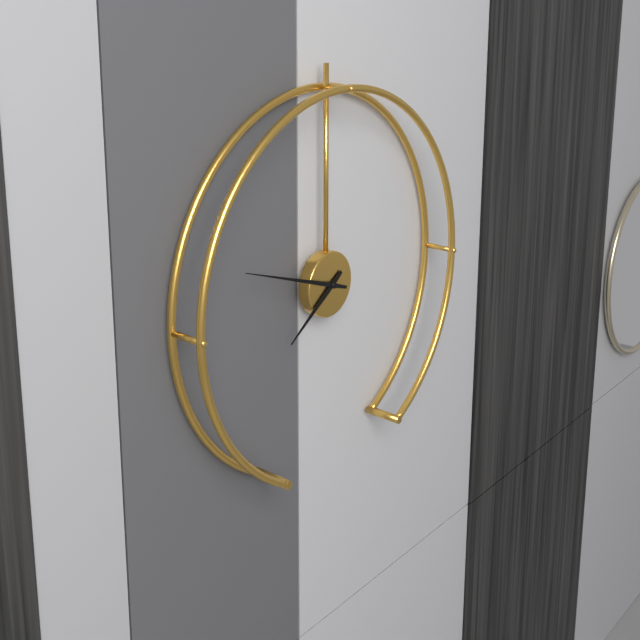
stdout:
7,48
